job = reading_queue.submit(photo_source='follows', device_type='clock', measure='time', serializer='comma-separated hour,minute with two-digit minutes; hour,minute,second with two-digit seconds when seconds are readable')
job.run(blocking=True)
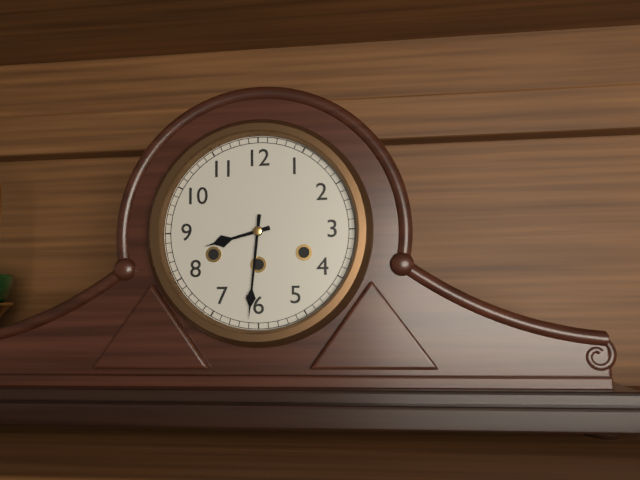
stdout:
8,31
